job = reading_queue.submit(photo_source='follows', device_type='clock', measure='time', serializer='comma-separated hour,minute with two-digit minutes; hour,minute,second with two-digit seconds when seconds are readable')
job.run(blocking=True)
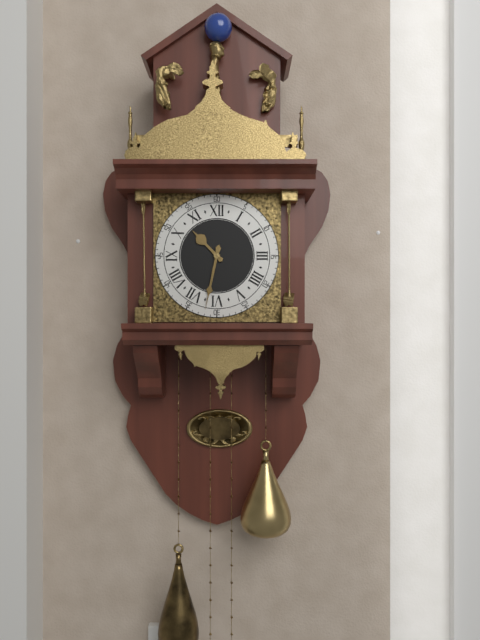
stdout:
10,32
